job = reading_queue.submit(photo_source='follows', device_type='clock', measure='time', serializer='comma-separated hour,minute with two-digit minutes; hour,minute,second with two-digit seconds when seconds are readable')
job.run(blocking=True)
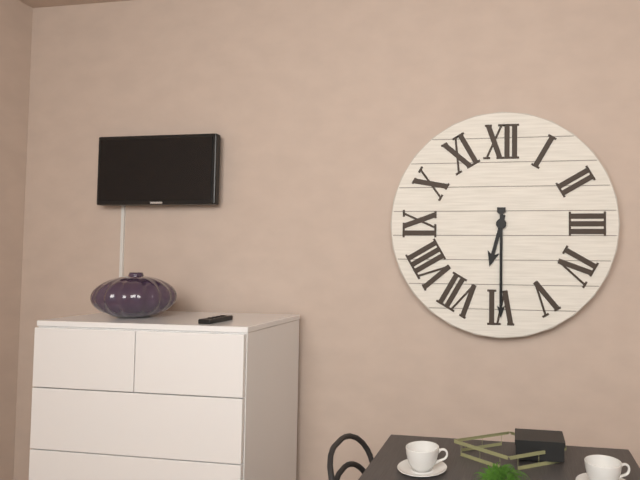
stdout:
6,30
